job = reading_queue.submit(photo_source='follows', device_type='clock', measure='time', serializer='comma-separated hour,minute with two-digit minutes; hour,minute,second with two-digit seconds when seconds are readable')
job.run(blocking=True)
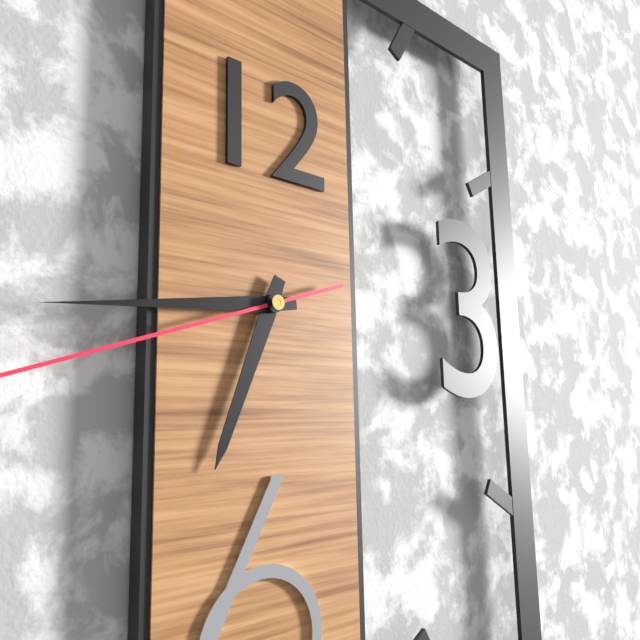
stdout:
6,44
